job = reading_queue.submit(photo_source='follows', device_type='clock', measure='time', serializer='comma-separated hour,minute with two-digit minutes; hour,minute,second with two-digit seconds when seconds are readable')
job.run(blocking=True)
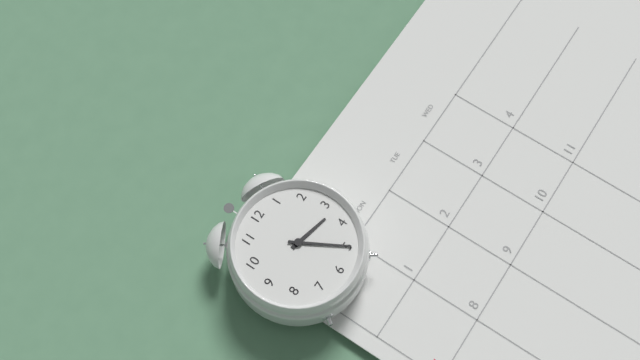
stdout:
3,25
